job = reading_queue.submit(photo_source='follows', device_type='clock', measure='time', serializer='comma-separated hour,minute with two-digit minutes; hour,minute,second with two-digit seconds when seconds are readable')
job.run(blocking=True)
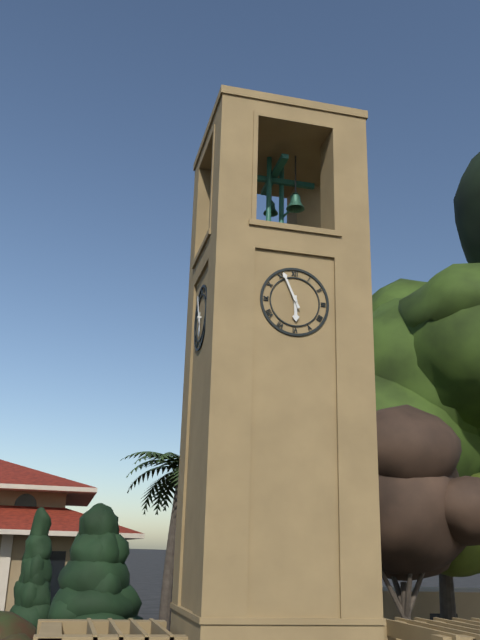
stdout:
5,56
